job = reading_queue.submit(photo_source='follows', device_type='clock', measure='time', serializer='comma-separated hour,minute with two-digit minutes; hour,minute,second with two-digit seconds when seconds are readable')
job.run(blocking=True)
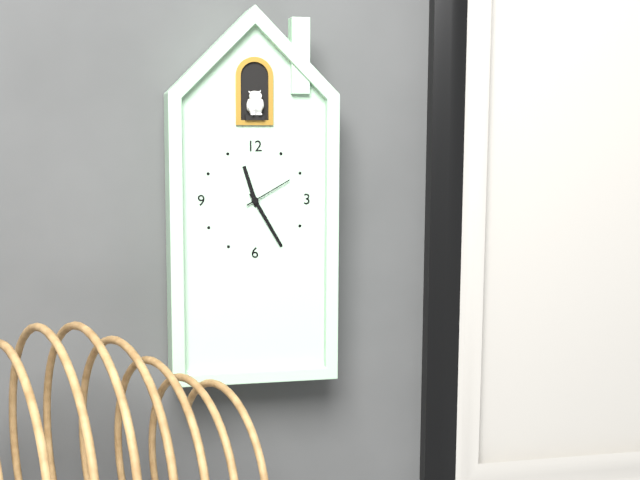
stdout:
11,25,10
